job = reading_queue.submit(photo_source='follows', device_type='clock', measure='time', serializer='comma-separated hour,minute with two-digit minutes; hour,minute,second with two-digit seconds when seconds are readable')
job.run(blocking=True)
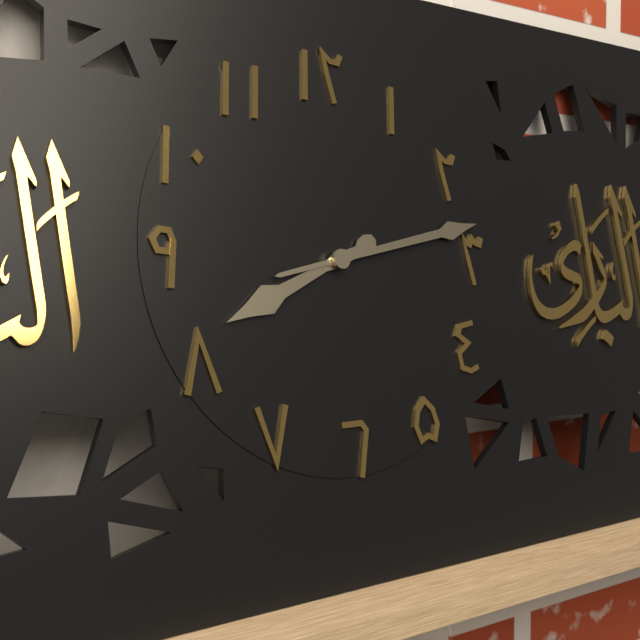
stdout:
8,13
